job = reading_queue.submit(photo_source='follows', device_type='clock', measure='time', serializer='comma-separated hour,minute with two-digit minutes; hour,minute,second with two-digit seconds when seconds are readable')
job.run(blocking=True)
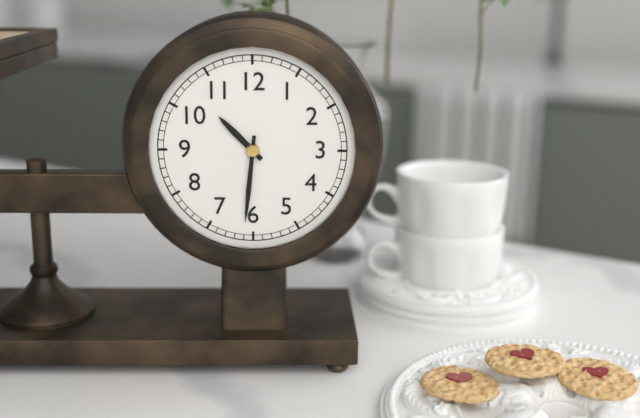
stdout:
10,31
